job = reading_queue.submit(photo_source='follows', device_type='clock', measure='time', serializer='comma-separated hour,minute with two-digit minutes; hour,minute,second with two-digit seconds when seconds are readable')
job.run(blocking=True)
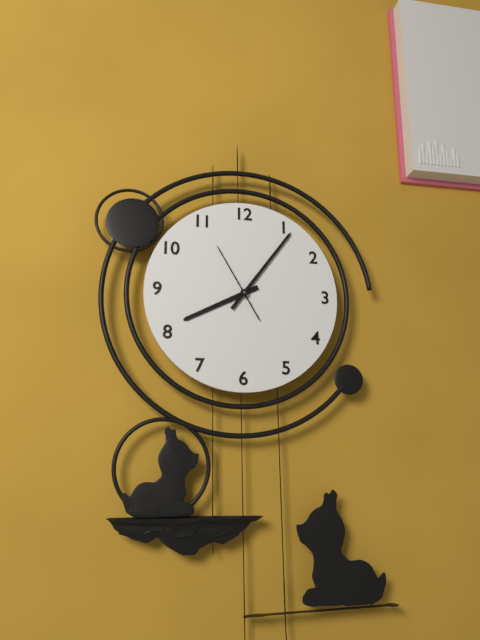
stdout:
8,06,55
